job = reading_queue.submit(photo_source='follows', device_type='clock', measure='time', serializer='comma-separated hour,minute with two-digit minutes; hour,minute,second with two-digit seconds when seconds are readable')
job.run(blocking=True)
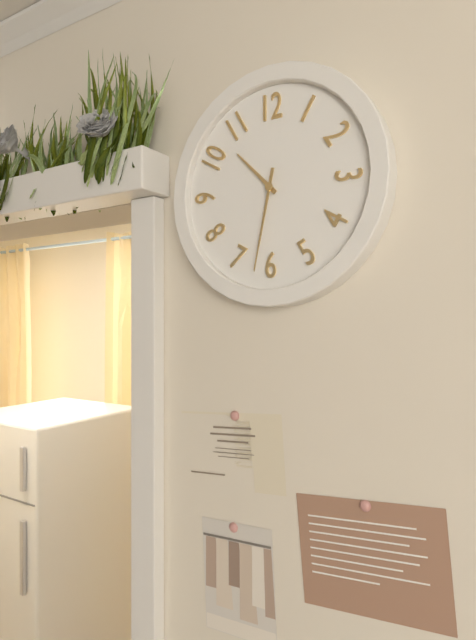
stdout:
10,32
